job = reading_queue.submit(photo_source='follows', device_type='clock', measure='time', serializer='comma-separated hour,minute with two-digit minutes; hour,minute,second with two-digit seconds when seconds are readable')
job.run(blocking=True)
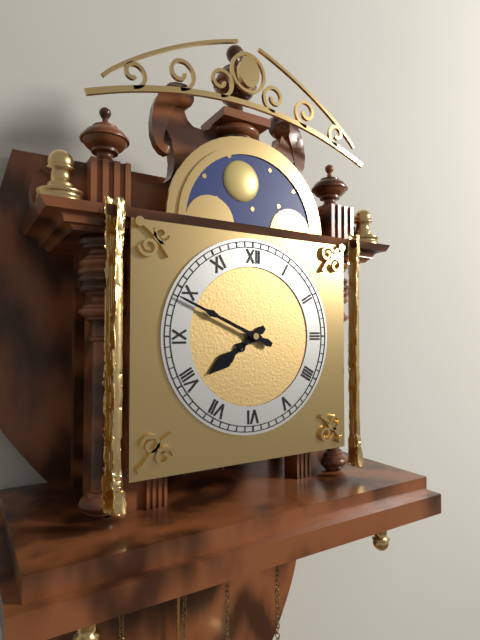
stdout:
7,49
